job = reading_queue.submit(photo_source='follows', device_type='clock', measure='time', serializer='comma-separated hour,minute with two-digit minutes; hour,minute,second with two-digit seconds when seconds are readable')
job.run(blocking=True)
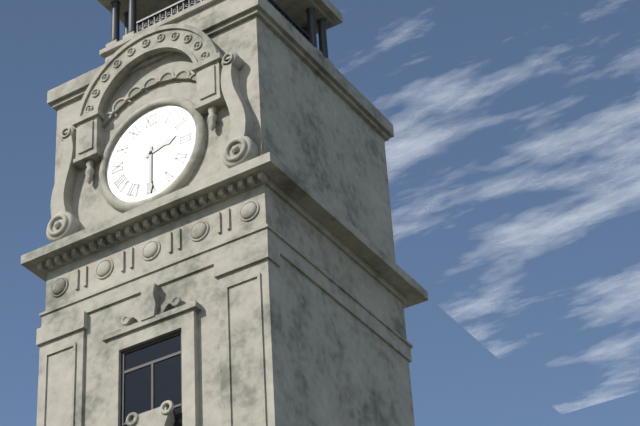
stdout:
2,30
